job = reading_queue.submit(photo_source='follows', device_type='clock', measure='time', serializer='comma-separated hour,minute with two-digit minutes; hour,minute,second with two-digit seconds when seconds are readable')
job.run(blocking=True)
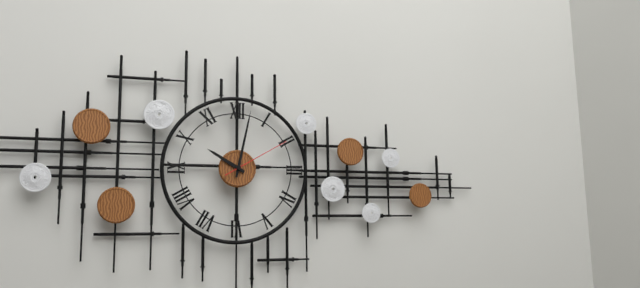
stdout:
10,02,10
